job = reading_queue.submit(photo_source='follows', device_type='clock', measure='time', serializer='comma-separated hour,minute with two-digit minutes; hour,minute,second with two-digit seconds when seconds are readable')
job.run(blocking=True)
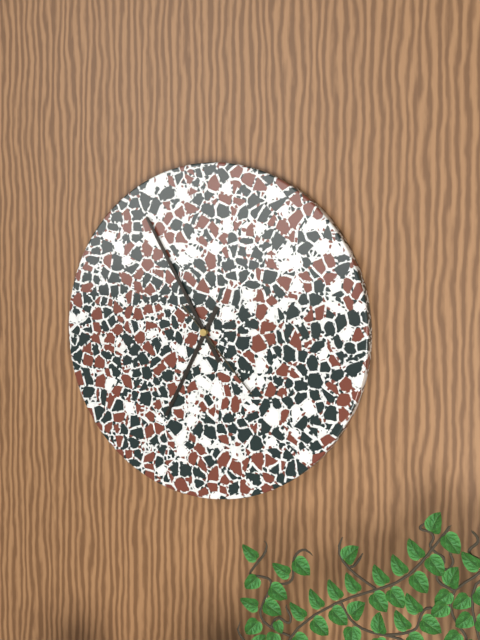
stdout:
6,55,23
